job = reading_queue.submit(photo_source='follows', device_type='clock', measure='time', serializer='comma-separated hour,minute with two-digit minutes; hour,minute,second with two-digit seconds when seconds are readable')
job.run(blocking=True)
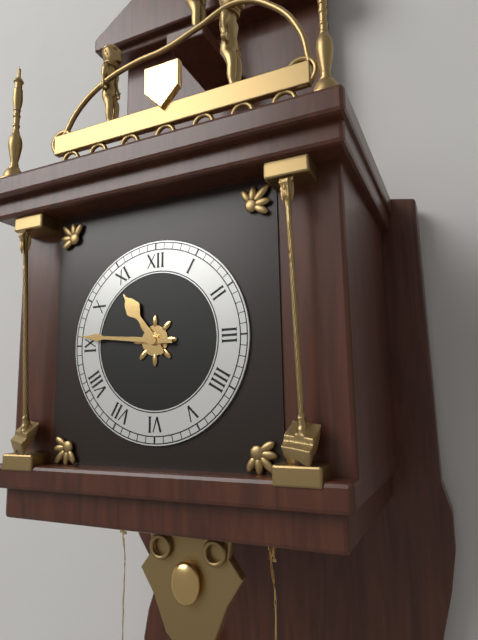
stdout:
10,46
